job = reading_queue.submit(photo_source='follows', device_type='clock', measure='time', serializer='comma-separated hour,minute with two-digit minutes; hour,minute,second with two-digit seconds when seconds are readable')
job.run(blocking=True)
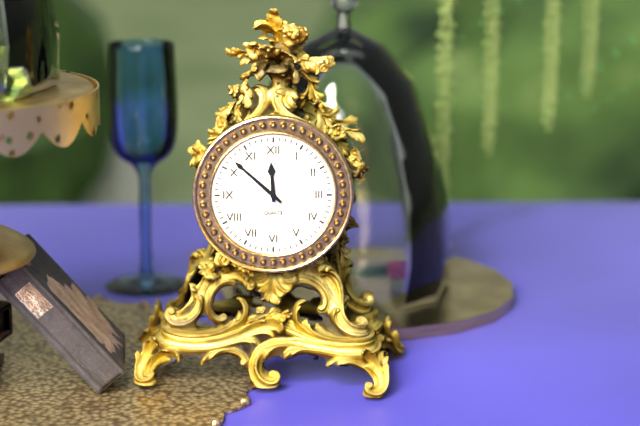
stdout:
11,52
